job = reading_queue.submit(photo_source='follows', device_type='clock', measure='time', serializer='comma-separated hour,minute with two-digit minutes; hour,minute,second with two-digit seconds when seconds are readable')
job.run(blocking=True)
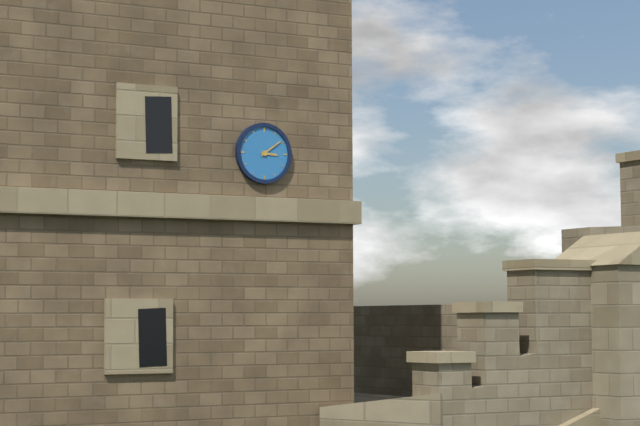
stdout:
3,09
